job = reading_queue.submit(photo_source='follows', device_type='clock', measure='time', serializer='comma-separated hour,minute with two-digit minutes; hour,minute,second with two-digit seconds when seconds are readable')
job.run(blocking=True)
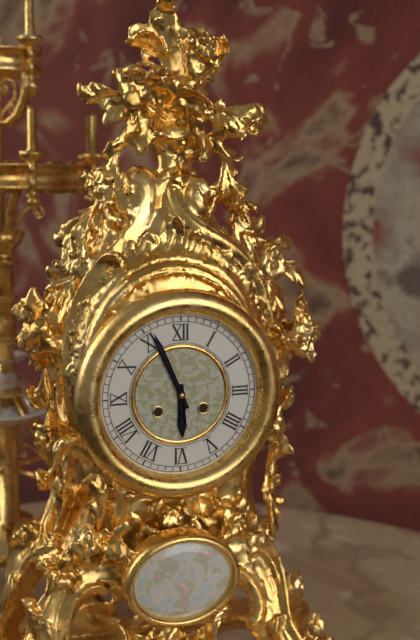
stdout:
5,56
